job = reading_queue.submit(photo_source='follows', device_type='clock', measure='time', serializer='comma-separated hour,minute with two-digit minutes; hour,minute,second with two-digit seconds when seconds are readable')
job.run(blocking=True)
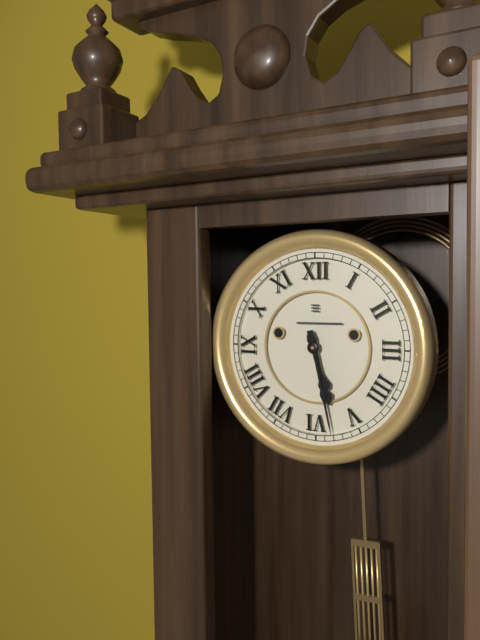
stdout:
5,28
